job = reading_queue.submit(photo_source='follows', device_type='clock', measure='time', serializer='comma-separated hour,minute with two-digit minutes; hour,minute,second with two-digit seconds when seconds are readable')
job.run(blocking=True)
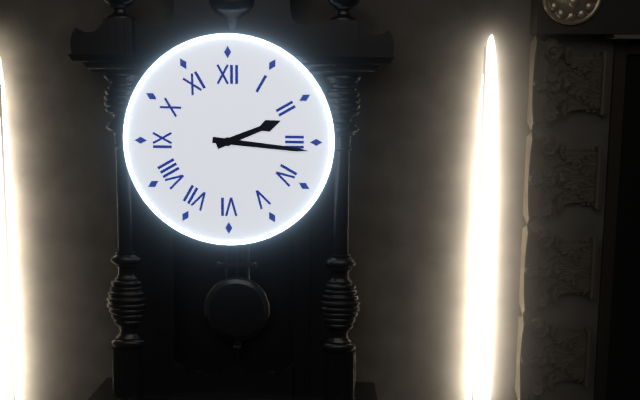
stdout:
2,16
